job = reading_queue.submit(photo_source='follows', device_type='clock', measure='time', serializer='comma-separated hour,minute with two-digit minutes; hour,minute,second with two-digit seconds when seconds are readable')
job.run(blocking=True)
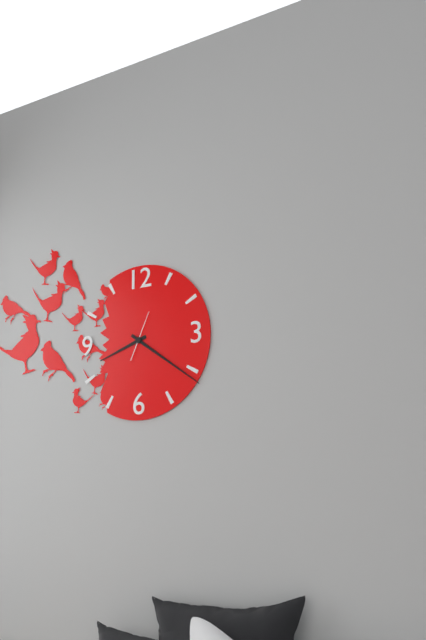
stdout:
8,21
